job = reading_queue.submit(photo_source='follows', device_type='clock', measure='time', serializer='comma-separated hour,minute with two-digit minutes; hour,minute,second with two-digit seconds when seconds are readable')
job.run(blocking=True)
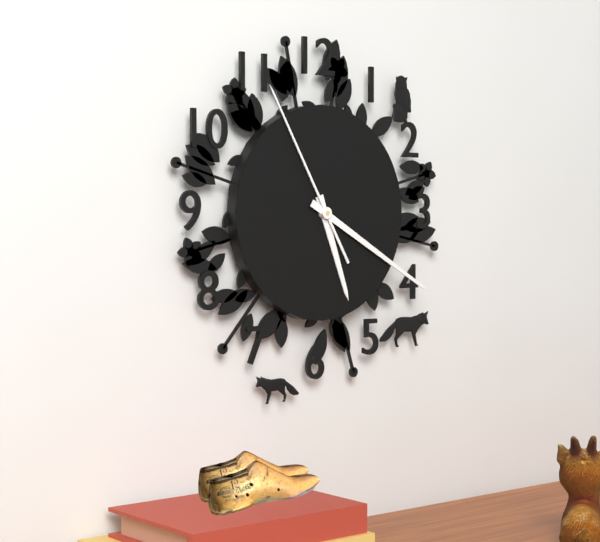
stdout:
5,20,55
